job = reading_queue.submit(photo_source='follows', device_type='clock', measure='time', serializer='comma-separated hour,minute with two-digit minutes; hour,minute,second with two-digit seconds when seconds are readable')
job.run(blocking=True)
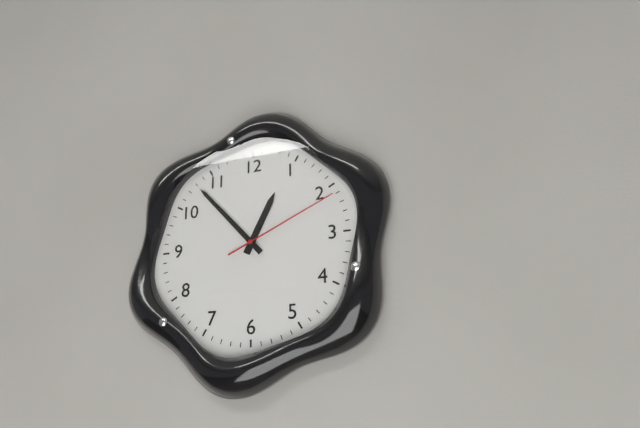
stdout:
12,53,11
